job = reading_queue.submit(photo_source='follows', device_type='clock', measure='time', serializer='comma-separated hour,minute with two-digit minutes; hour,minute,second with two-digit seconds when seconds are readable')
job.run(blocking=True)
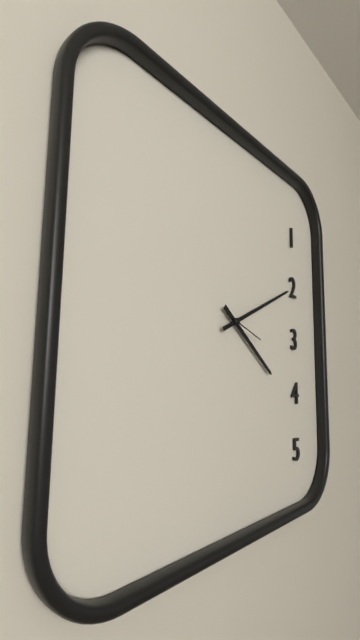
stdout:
4,11
